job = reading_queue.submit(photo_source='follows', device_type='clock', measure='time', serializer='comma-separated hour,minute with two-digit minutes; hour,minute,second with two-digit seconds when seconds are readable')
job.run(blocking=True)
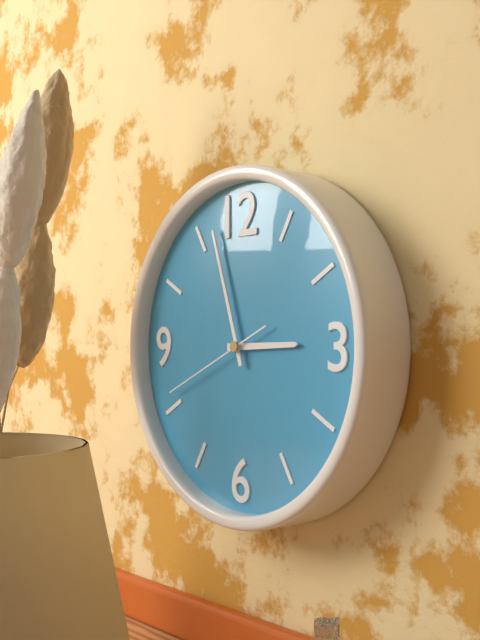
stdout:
2,57,41
